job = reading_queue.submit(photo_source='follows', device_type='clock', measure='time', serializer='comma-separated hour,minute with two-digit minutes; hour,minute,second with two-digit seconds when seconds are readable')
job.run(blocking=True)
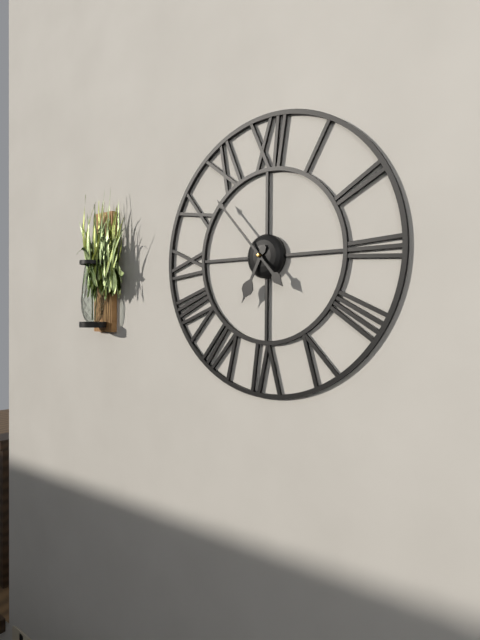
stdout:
6,53
